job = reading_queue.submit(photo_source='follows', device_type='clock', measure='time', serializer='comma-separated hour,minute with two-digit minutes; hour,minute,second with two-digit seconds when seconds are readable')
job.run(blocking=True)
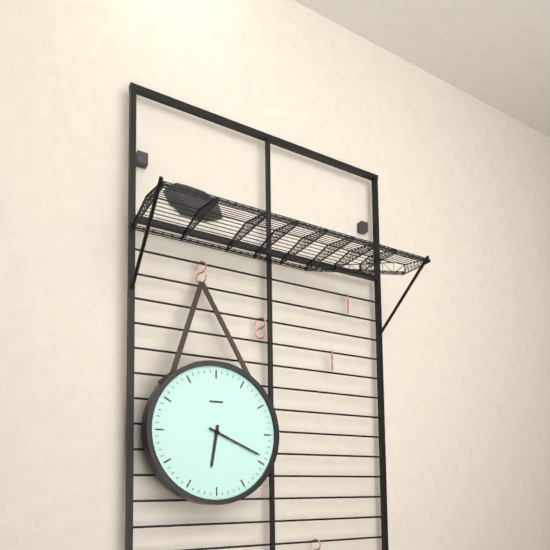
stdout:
6,19
